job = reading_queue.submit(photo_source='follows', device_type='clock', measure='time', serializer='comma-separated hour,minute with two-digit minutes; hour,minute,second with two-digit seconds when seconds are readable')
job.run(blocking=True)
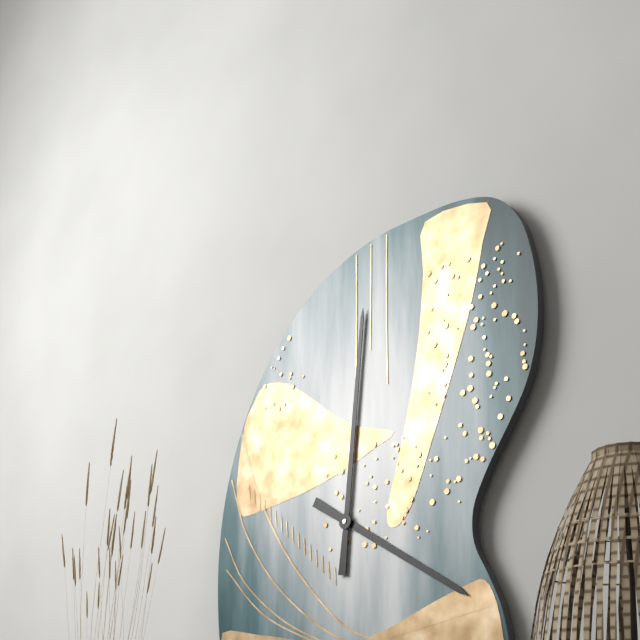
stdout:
4,01
